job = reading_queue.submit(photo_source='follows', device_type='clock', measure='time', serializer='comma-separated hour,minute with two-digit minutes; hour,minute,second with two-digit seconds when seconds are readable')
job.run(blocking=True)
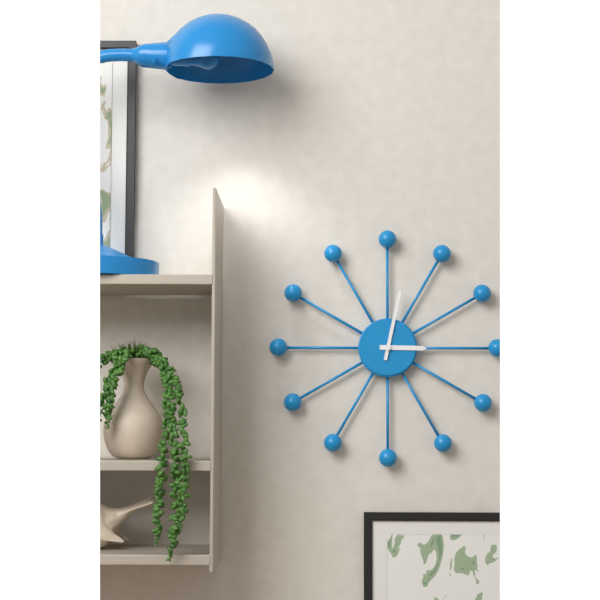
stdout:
3,02
